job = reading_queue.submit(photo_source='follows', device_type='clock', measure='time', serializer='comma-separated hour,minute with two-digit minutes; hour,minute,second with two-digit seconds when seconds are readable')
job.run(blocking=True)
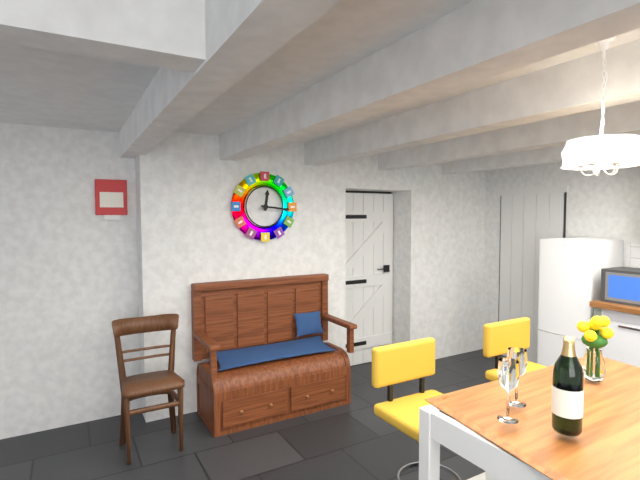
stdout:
12,16
